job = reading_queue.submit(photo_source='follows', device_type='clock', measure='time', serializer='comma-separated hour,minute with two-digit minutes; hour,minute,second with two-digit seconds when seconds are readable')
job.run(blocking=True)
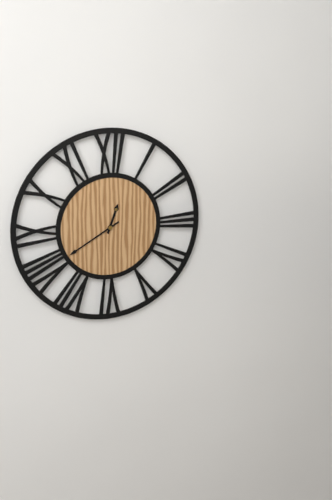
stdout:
12,40
